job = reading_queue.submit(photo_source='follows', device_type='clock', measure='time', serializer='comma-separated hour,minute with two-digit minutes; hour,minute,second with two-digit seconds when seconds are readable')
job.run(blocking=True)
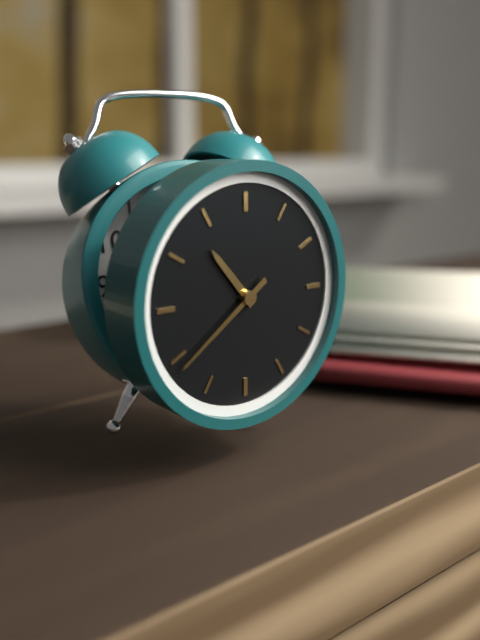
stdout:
10,39
